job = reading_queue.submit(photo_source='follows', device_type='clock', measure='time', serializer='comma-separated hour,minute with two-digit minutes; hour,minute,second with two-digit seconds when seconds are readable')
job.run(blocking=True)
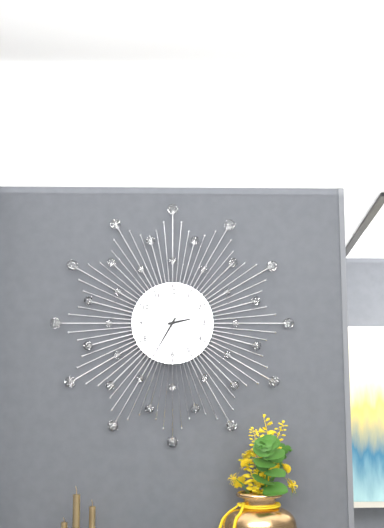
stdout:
2,35
